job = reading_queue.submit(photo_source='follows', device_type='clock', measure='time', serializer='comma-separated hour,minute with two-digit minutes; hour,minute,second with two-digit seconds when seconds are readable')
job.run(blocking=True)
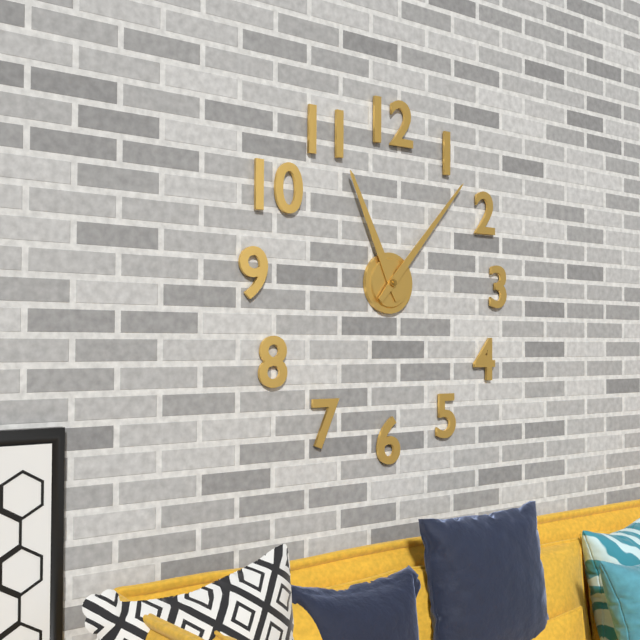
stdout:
11,07
